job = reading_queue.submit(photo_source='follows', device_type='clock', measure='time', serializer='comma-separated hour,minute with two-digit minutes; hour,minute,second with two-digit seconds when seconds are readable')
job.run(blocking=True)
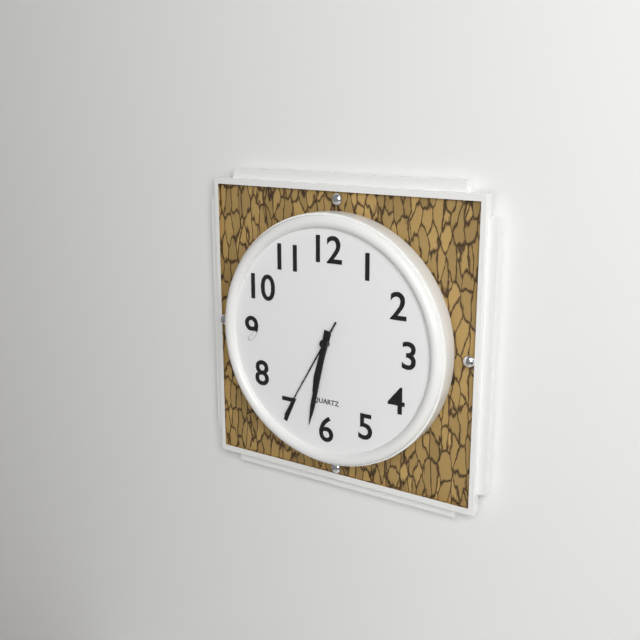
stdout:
6,32,35
